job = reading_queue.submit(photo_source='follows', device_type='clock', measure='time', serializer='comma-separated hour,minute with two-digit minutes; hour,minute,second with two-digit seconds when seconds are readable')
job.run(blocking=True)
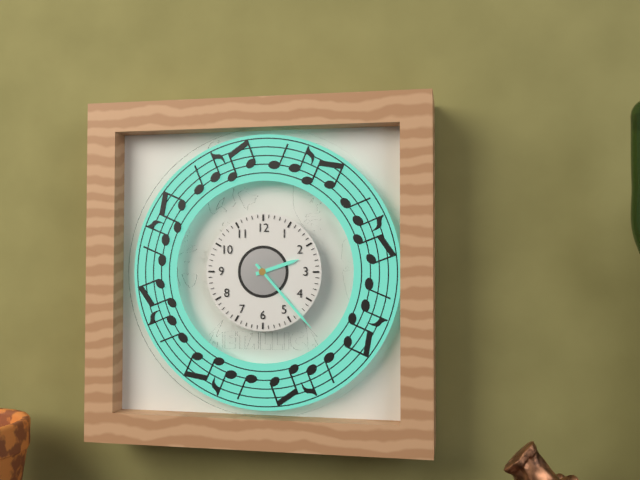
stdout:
2,23
